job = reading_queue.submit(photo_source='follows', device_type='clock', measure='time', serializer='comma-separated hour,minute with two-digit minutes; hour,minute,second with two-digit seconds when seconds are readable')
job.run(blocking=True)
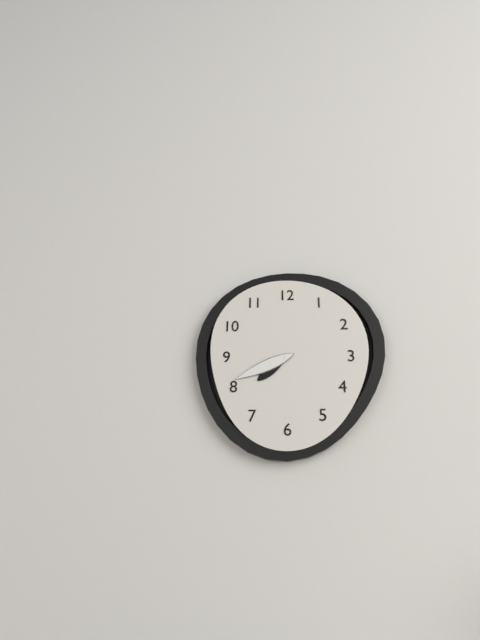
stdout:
7,41
